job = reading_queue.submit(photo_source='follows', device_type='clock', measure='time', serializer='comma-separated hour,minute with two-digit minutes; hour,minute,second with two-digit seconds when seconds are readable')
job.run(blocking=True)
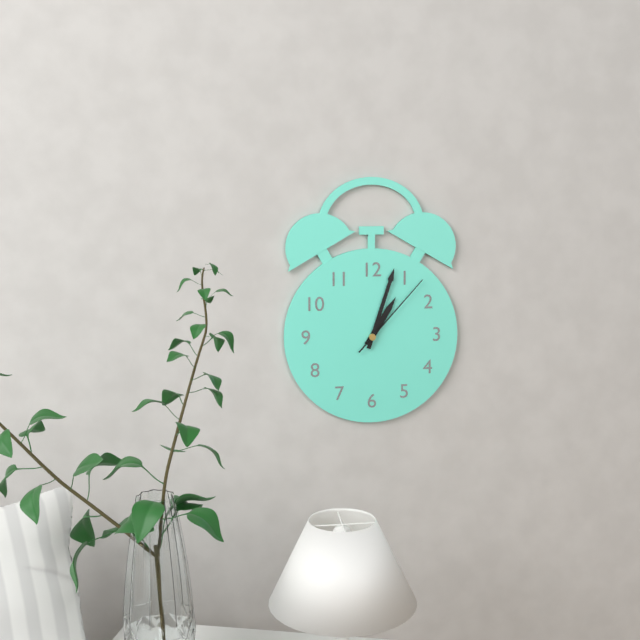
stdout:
1,03,07
